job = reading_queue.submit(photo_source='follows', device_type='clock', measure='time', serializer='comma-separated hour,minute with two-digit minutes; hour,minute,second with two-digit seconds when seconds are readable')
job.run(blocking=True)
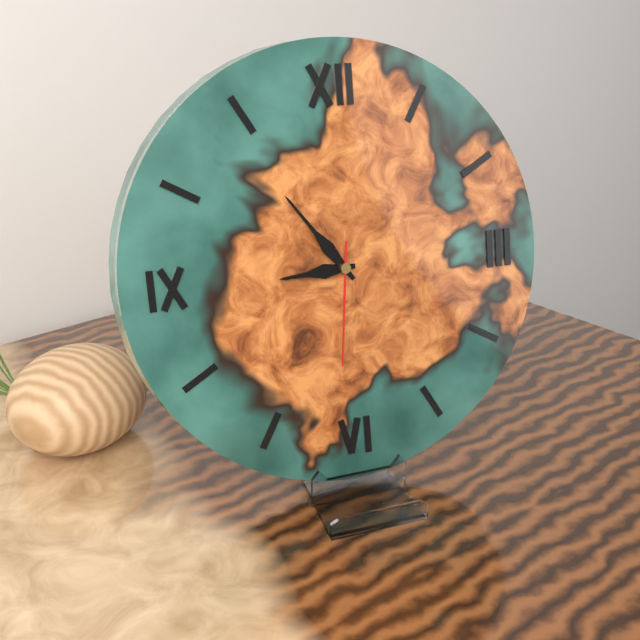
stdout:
8,54,31
